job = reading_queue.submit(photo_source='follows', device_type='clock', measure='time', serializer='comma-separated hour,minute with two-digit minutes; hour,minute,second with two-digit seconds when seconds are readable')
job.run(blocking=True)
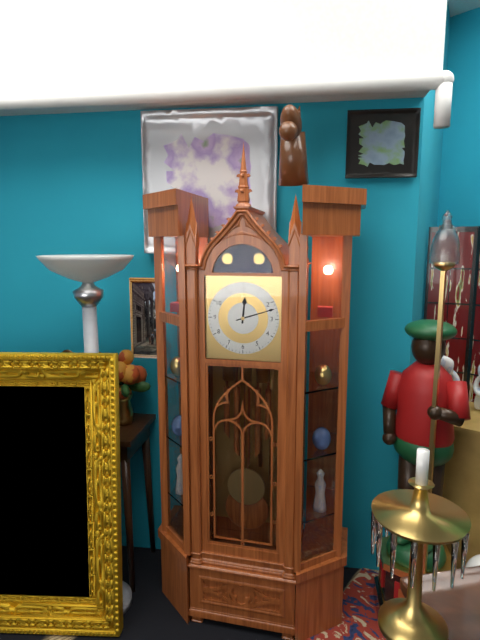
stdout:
12,12
